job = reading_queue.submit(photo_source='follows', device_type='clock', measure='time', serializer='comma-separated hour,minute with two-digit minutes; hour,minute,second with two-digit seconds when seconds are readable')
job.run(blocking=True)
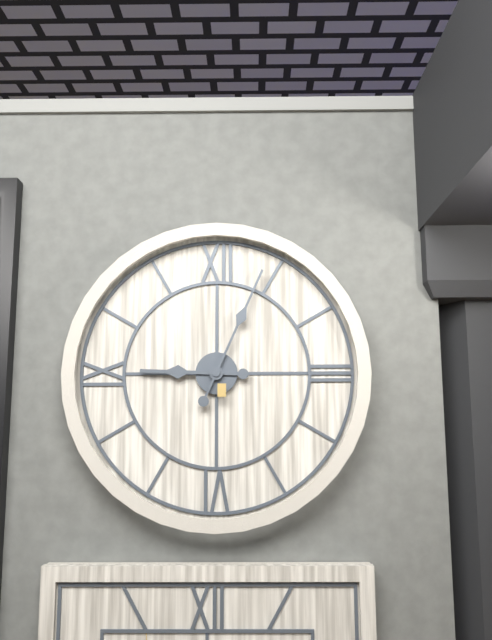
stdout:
9,04
